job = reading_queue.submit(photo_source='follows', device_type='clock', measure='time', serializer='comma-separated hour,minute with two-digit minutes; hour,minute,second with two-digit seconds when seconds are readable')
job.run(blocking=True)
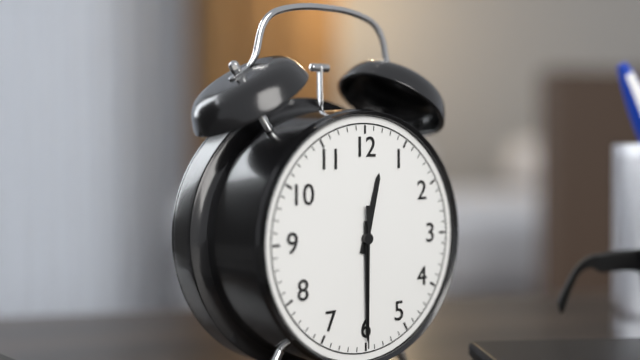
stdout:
12,30,30
